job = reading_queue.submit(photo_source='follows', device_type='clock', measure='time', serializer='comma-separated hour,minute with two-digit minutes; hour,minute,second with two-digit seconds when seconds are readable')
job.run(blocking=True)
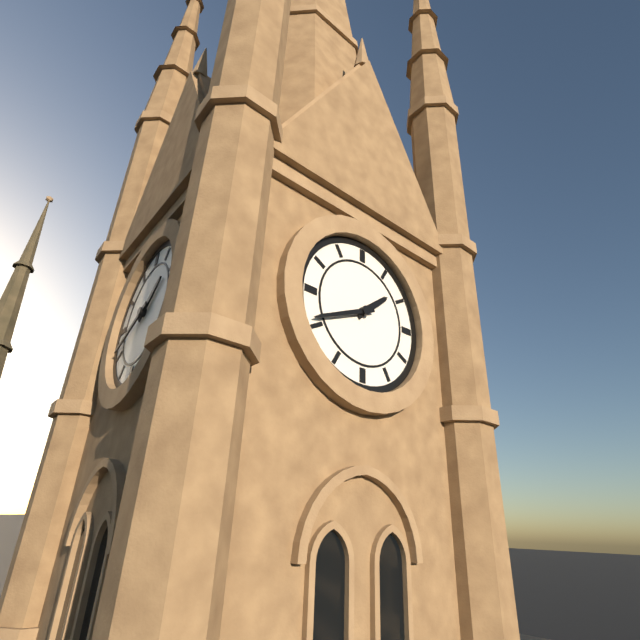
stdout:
1,41
